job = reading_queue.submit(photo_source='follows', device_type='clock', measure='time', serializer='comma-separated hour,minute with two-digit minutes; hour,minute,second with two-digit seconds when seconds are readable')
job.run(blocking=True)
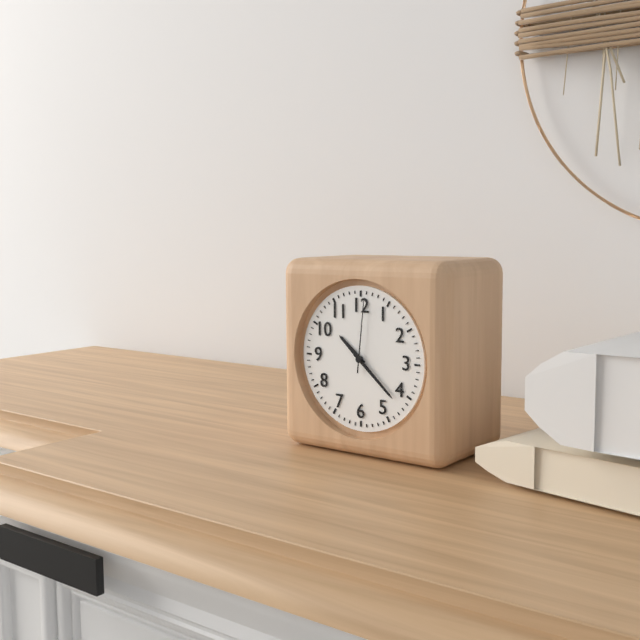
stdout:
10,22,01
